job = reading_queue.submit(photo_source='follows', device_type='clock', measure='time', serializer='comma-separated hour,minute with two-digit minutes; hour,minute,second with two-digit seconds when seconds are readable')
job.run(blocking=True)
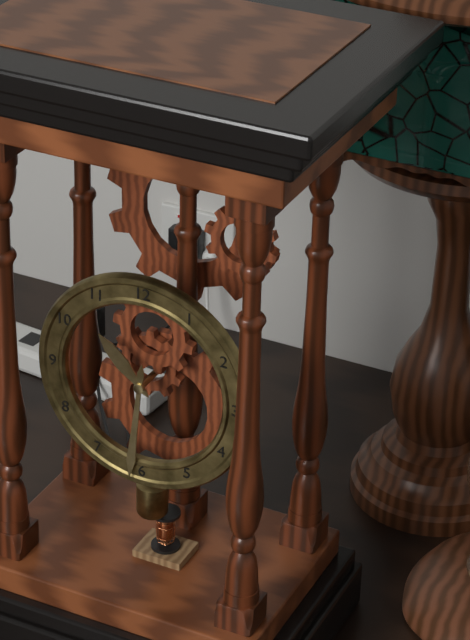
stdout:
10,31
